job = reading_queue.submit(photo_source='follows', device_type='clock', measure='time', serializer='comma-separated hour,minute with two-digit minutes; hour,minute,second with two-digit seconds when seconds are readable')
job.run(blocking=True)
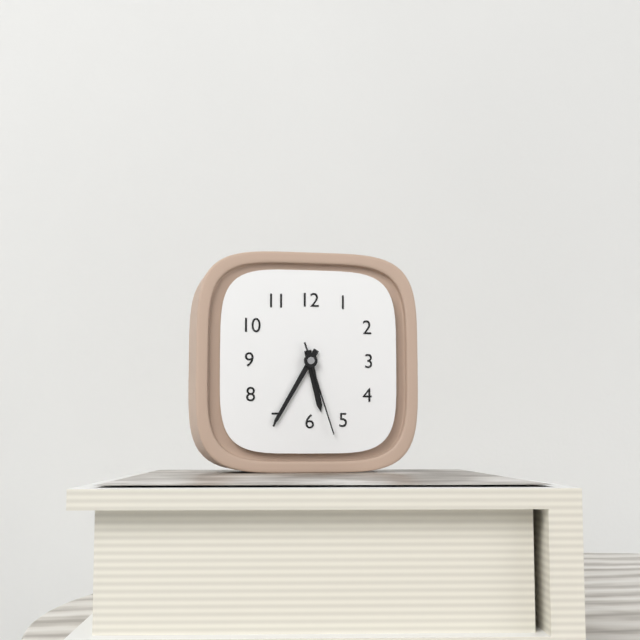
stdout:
5,35,27
